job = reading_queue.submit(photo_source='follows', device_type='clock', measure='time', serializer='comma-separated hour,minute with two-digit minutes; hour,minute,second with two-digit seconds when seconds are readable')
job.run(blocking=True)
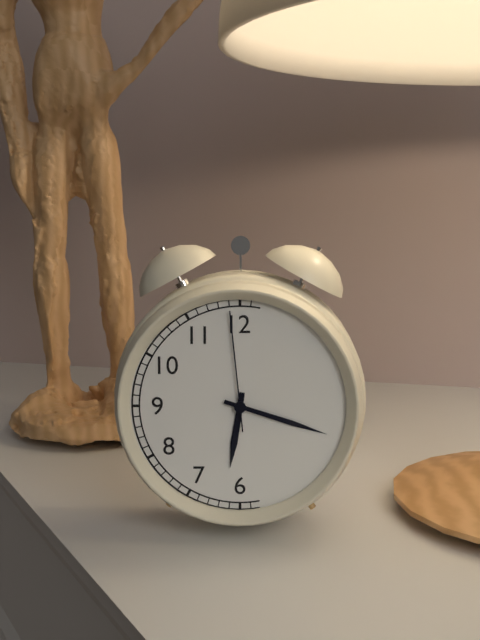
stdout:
6,18,59
